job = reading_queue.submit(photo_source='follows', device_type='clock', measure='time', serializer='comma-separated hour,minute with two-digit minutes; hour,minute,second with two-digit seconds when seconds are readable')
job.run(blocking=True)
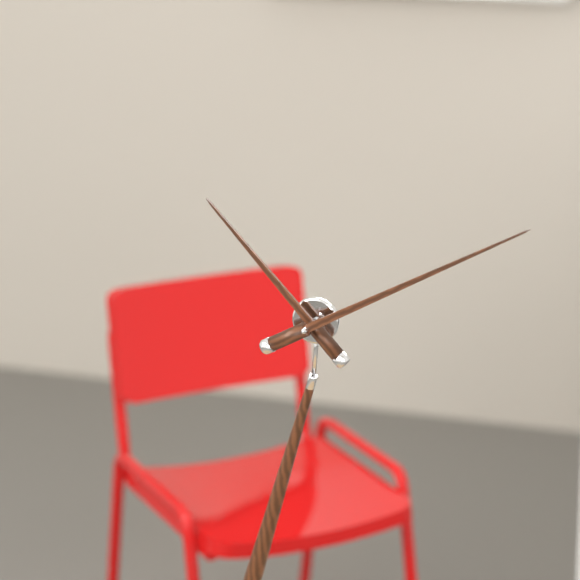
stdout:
10,08
